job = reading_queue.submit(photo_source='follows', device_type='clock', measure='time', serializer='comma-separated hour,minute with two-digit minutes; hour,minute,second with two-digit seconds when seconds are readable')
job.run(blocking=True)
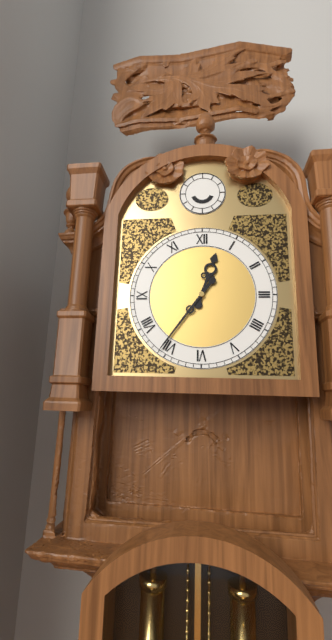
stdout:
12,36
